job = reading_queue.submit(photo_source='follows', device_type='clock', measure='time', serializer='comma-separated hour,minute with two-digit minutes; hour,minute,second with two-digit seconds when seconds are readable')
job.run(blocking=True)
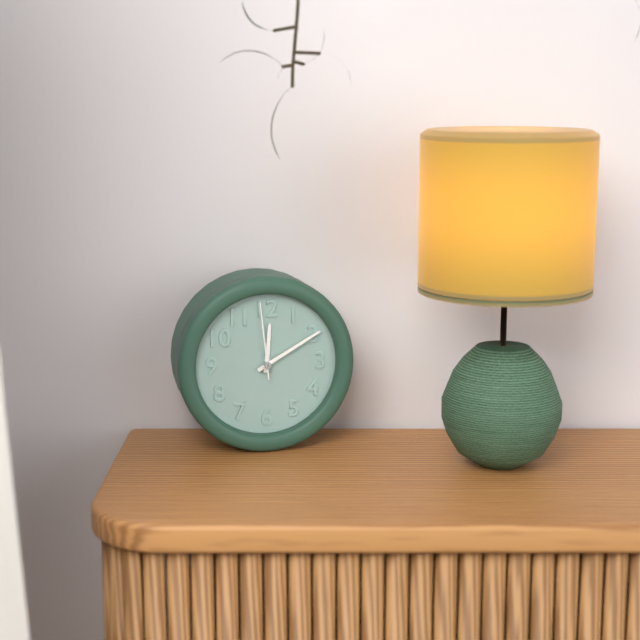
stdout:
12,10,59
